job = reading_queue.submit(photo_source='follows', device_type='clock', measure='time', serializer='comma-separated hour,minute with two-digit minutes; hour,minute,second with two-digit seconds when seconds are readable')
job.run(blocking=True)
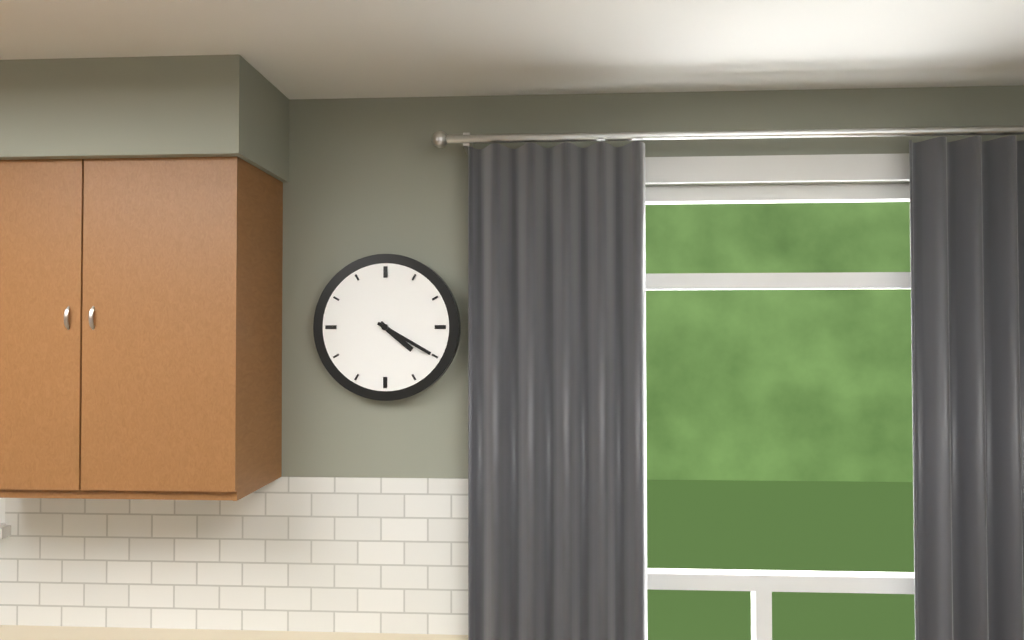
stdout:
4,20
